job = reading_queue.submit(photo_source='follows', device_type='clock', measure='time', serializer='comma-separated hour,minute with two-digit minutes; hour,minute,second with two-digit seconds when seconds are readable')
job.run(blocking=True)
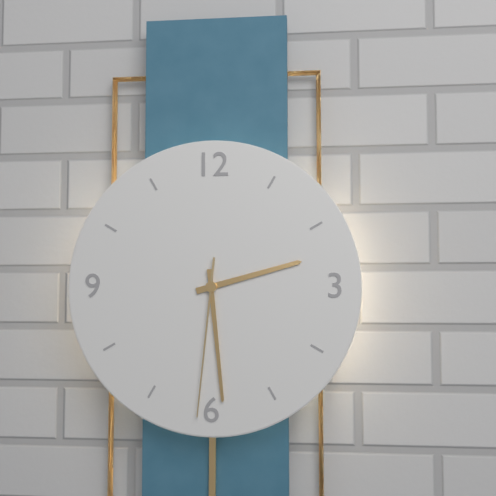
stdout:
2,29,31
